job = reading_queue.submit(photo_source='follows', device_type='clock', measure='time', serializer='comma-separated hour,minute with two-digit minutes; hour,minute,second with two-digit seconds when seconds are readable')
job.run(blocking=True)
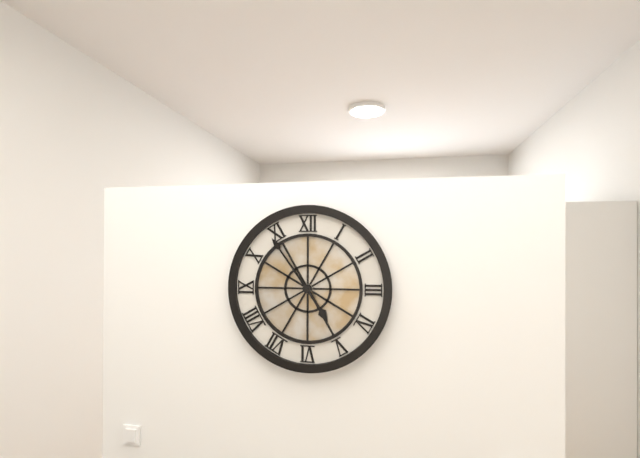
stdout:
4,54
